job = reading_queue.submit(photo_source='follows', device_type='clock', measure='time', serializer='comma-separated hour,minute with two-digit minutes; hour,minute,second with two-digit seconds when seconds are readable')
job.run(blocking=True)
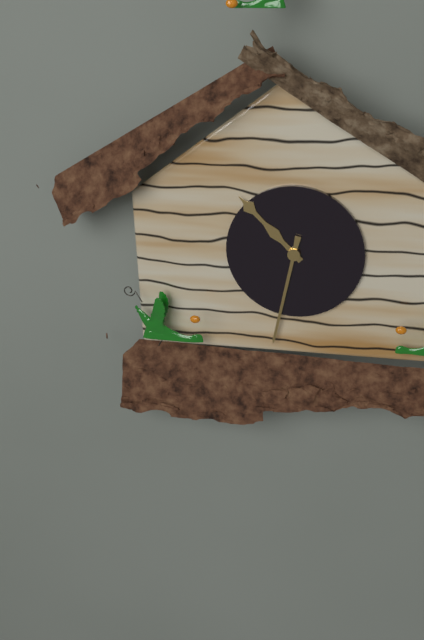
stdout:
10,32
